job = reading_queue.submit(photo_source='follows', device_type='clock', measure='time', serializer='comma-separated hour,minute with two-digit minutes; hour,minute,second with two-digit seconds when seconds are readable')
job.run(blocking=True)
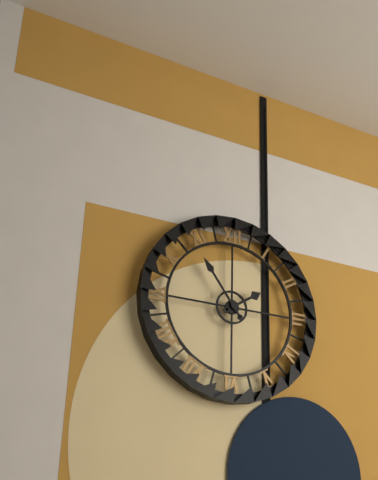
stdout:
1,54
